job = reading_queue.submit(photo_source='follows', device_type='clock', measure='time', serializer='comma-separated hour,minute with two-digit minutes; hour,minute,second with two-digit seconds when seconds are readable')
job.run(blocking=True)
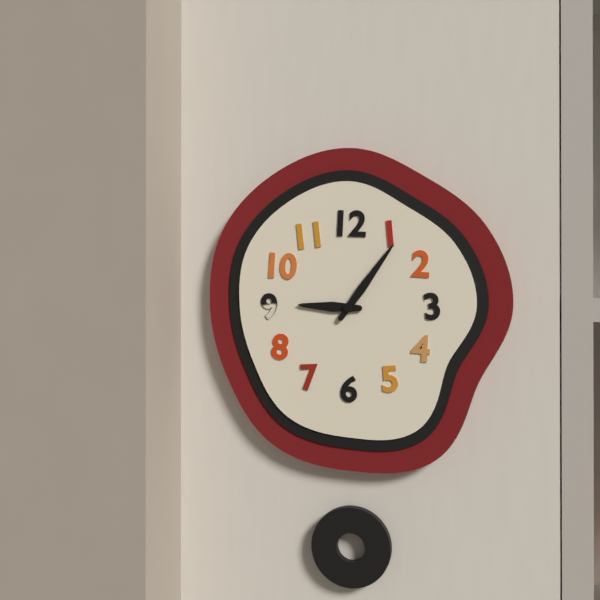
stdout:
9,06
